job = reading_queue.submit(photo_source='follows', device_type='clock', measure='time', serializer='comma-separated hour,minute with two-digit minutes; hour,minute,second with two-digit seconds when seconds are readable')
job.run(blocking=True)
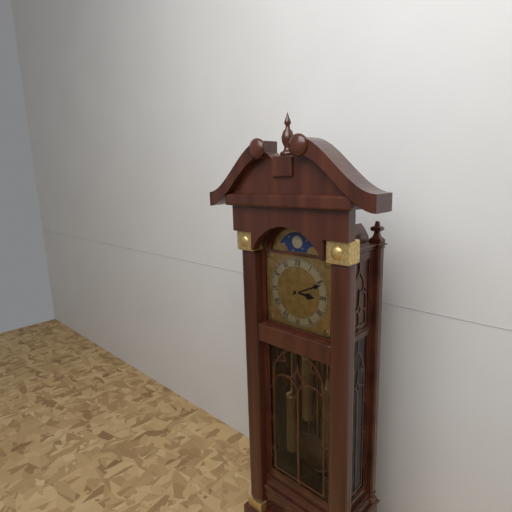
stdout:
3,11
